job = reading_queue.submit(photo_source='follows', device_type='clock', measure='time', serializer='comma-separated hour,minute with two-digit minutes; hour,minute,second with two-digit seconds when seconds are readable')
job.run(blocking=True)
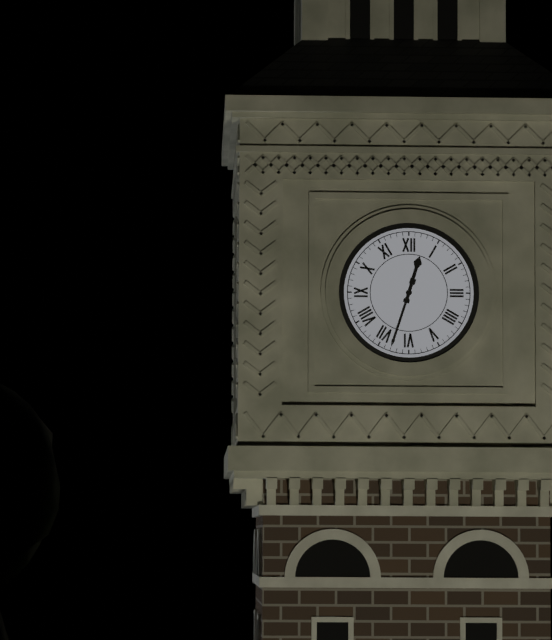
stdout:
12,33
